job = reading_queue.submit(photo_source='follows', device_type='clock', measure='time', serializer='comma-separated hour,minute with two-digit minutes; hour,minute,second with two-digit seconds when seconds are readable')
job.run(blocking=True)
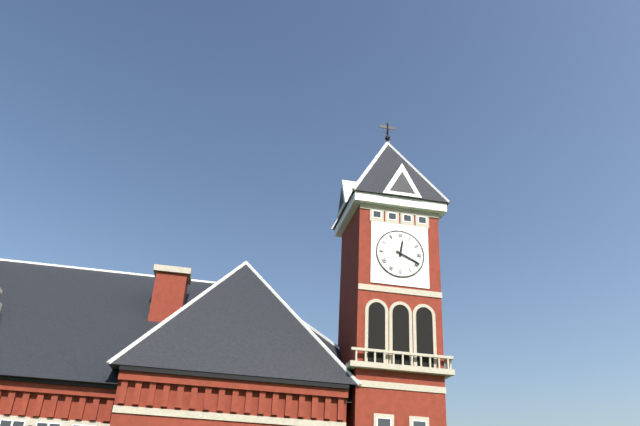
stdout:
12,19
